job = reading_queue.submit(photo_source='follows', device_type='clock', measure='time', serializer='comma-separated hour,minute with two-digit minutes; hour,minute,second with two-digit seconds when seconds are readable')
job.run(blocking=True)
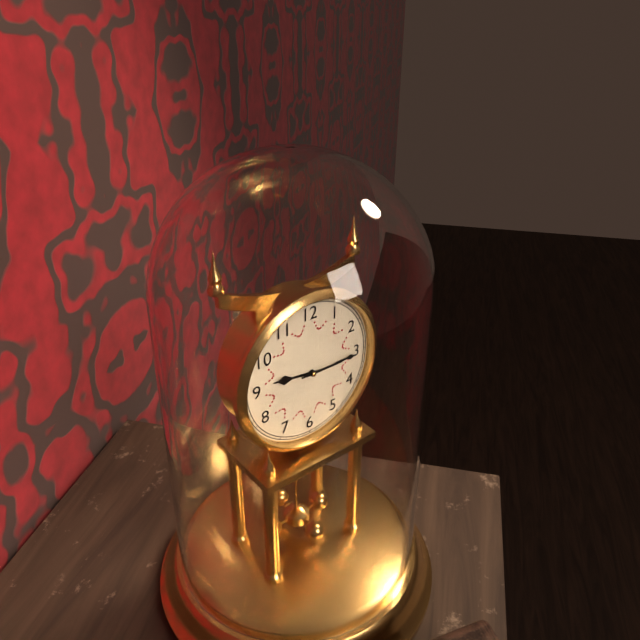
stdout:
9,15
